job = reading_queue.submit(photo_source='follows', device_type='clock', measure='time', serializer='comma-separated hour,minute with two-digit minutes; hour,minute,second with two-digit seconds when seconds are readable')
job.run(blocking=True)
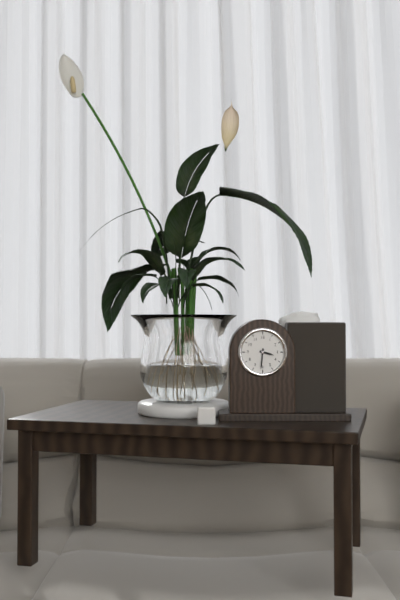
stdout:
3,31
